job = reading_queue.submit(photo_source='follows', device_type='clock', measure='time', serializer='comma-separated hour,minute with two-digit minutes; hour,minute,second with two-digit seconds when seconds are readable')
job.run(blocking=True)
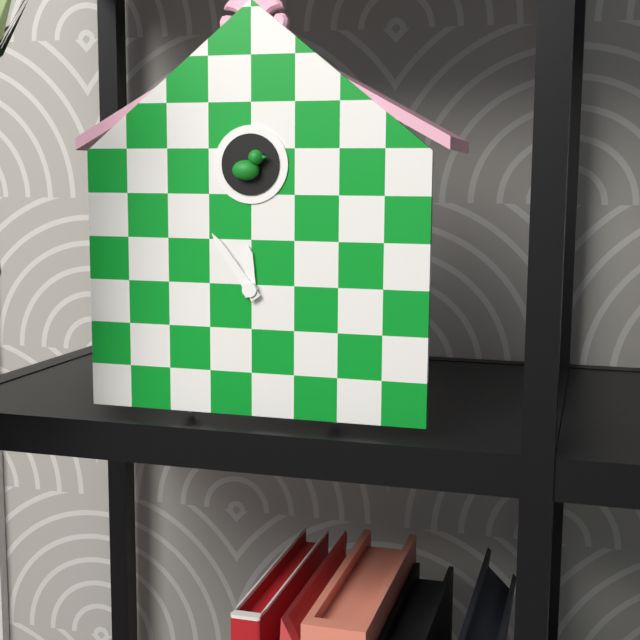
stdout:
11,54
